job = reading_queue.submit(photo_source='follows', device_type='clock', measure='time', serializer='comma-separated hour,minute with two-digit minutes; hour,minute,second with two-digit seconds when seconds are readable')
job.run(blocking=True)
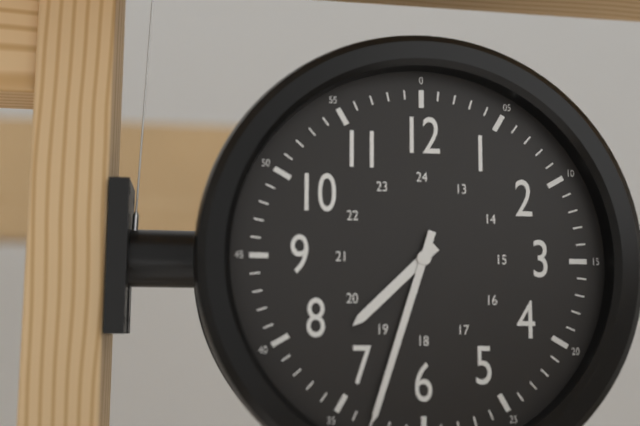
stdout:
7,33
